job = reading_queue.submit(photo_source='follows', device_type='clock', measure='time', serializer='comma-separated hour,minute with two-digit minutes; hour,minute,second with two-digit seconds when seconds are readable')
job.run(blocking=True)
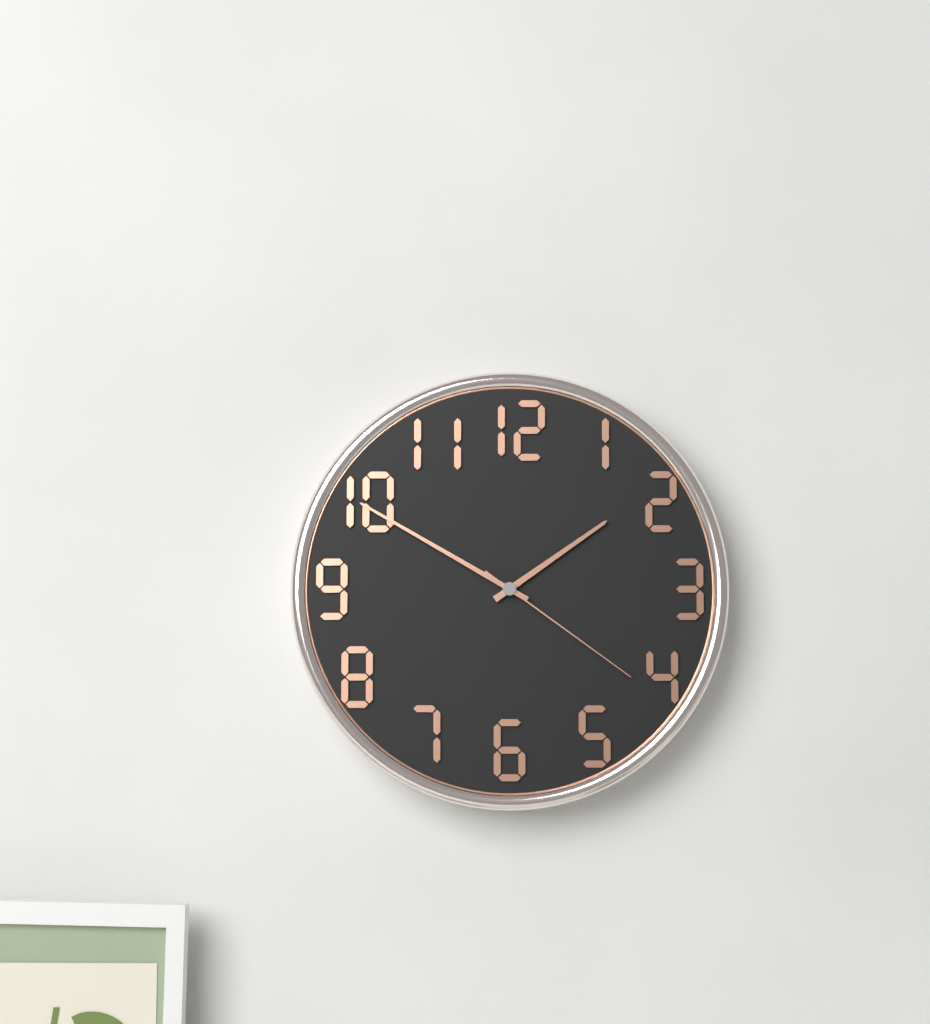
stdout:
1,50,21
